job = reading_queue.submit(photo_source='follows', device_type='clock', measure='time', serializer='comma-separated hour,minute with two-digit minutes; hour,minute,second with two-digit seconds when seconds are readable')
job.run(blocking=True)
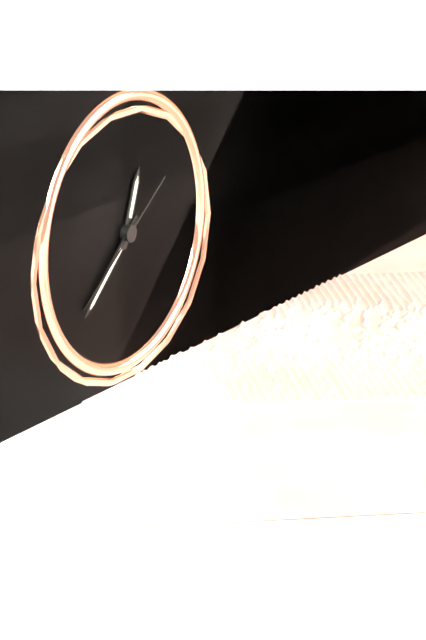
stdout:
12,38,39
